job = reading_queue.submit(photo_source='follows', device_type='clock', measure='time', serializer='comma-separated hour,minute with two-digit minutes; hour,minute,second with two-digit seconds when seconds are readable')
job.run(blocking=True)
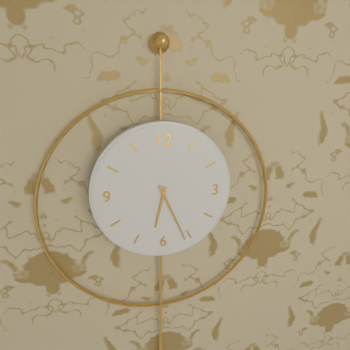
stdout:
6,26
